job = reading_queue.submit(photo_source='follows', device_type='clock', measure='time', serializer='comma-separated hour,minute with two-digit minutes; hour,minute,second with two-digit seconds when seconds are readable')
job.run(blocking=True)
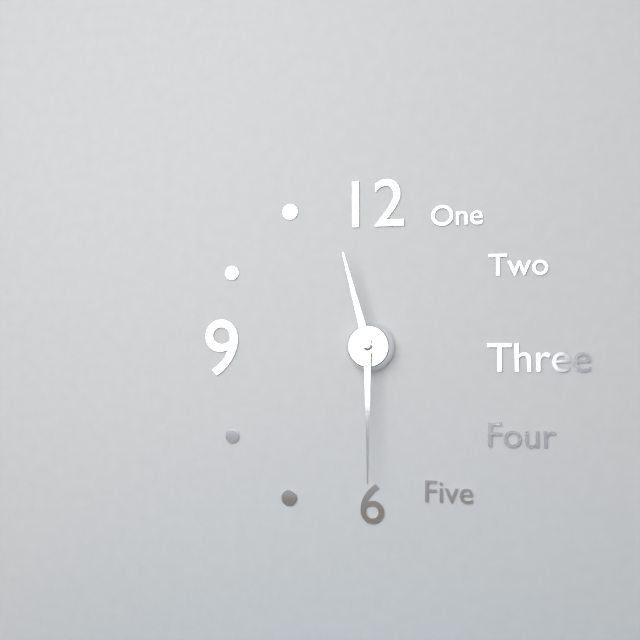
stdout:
11,30
